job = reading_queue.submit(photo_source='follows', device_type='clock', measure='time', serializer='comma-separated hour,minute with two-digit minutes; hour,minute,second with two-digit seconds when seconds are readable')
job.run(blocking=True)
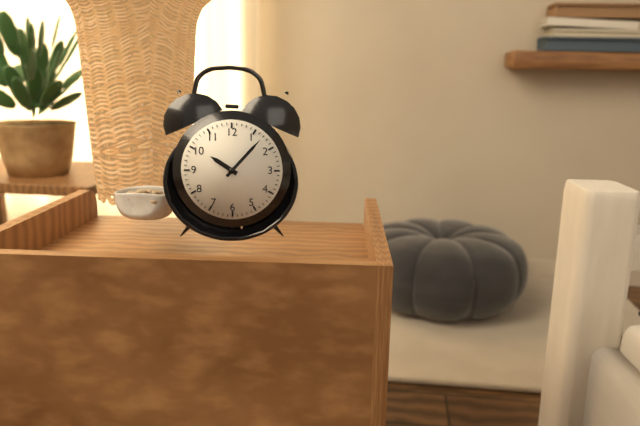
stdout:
10,07
